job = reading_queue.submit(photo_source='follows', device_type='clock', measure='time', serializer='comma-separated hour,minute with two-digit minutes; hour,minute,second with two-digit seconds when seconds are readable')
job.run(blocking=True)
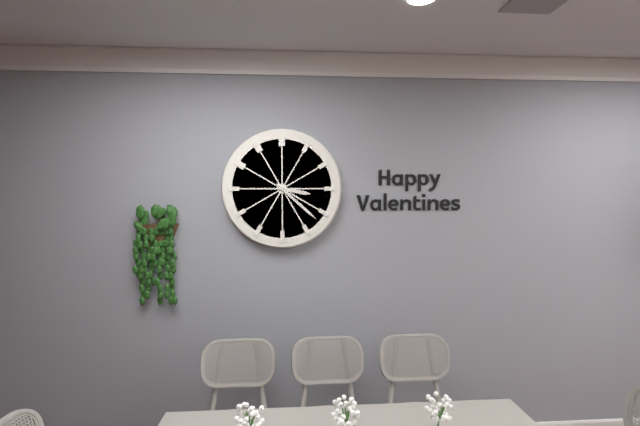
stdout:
3,22
